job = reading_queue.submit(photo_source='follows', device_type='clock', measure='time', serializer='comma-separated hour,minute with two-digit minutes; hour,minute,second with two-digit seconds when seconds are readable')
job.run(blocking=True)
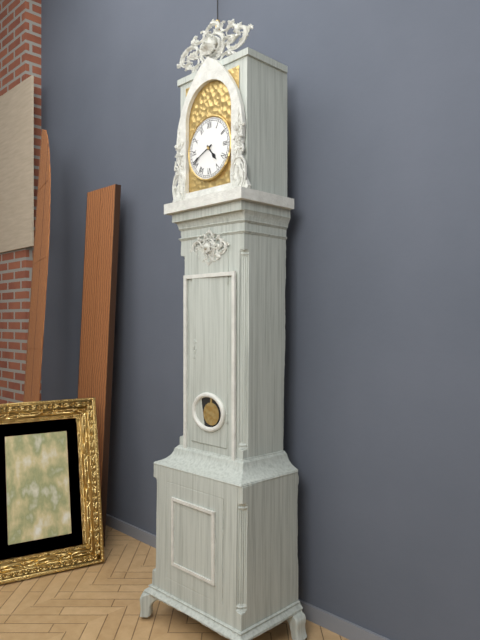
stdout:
4,41
